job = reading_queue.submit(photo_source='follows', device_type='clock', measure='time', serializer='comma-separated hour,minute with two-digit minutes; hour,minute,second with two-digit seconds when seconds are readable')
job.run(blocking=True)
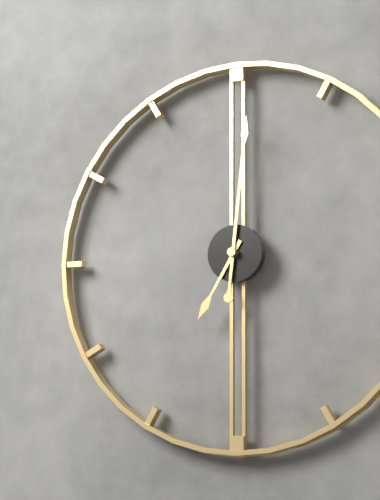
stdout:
7,01
